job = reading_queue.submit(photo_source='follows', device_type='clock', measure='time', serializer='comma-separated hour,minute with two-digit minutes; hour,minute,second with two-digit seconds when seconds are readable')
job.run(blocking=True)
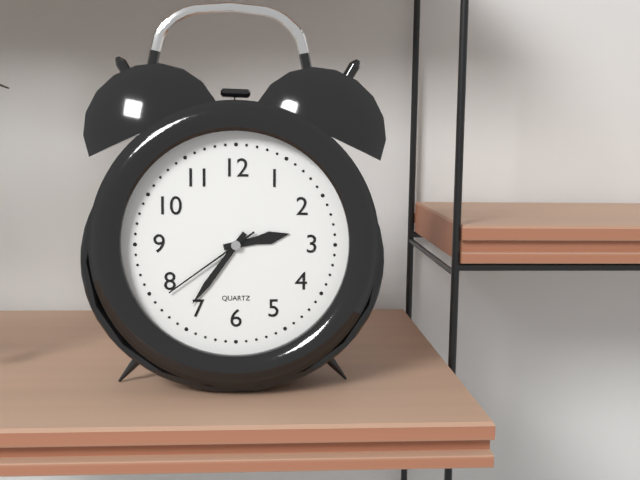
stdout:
2,36,39
